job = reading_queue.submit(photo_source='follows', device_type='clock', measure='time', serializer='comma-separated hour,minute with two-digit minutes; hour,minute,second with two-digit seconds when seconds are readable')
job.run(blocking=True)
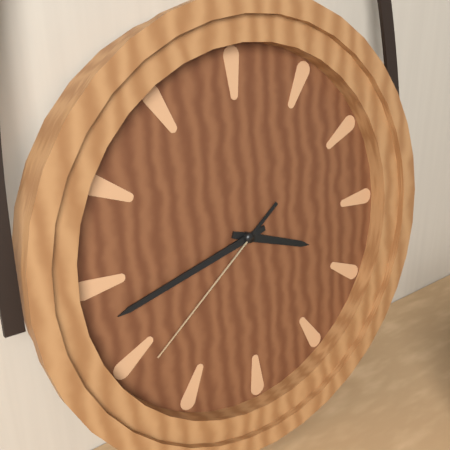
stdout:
3,43,39
